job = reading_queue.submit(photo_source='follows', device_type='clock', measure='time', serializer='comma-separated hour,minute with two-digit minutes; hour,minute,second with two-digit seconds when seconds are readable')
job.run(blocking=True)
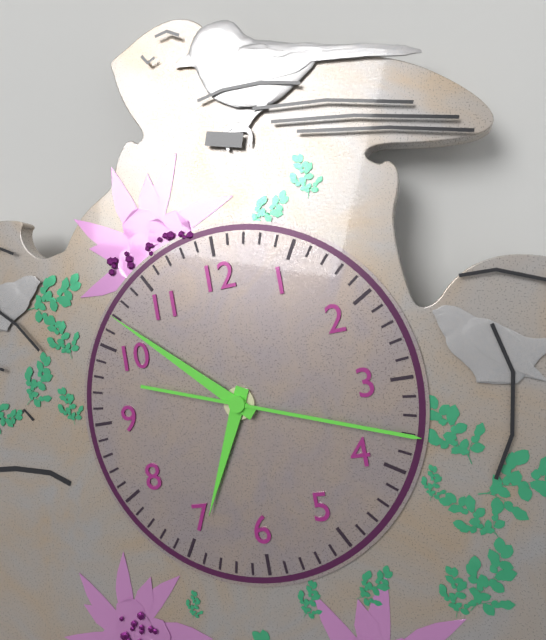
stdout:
6,52,18
